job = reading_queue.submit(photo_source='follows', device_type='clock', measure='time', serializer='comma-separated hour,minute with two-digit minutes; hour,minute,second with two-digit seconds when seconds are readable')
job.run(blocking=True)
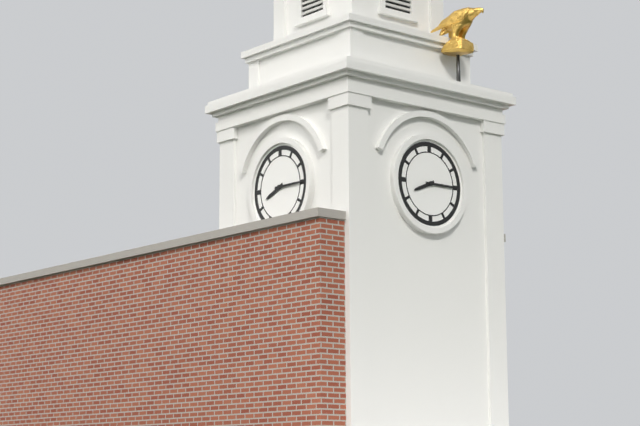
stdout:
8,15
